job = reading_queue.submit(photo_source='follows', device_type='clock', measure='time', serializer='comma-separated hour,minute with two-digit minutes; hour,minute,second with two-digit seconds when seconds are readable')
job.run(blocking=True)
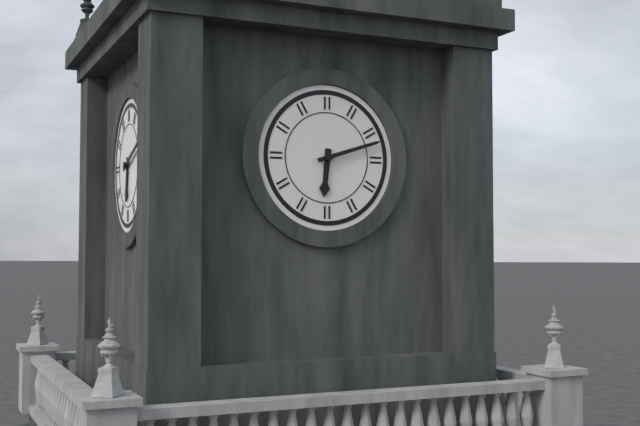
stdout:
6,12
